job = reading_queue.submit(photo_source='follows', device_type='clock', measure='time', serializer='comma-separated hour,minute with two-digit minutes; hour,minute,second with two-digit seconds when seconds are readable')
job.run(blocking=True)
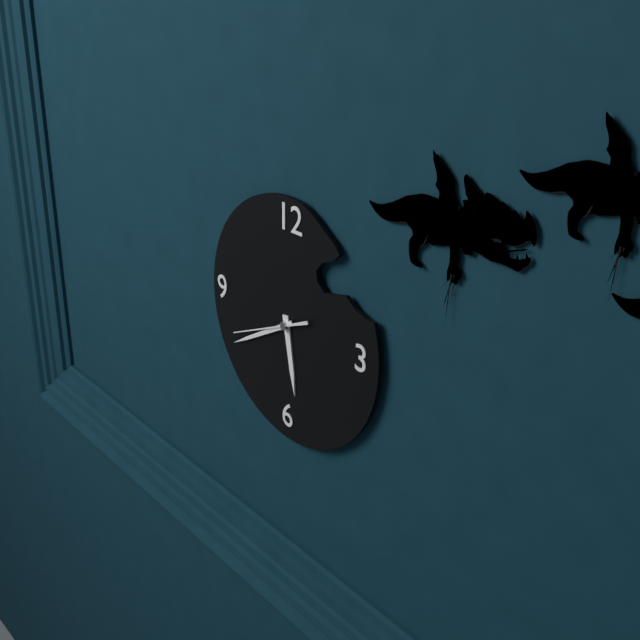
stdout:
5,40,41
